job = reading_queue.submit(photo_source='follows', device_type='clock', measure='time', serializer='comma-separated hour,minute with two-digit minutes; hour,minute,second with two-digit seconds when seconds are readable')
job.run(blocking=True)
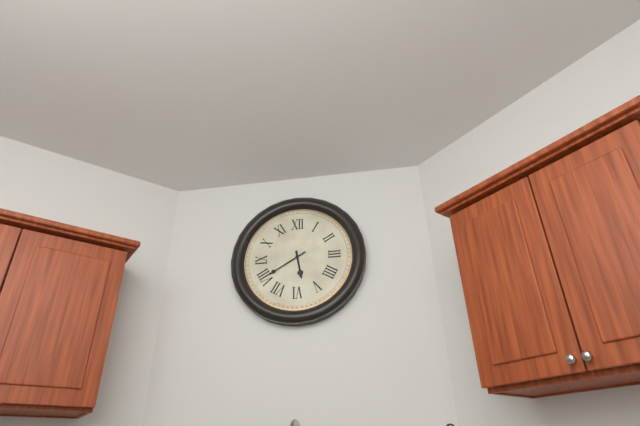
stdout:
5,40
